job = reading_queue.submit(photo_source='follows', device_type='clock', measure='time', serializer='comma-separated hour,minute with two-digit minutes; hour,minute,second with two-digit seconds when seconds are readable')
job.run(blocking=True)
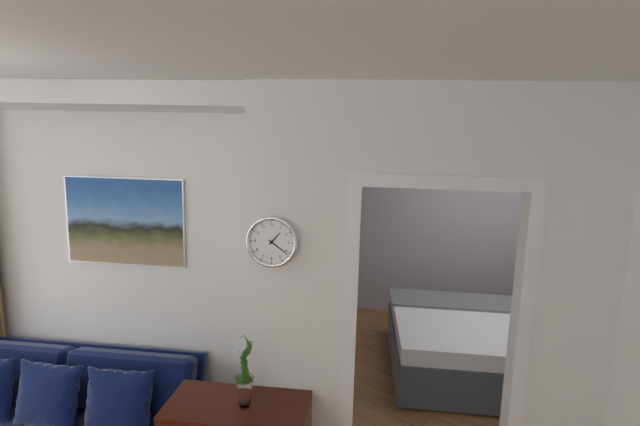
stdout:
1,21
